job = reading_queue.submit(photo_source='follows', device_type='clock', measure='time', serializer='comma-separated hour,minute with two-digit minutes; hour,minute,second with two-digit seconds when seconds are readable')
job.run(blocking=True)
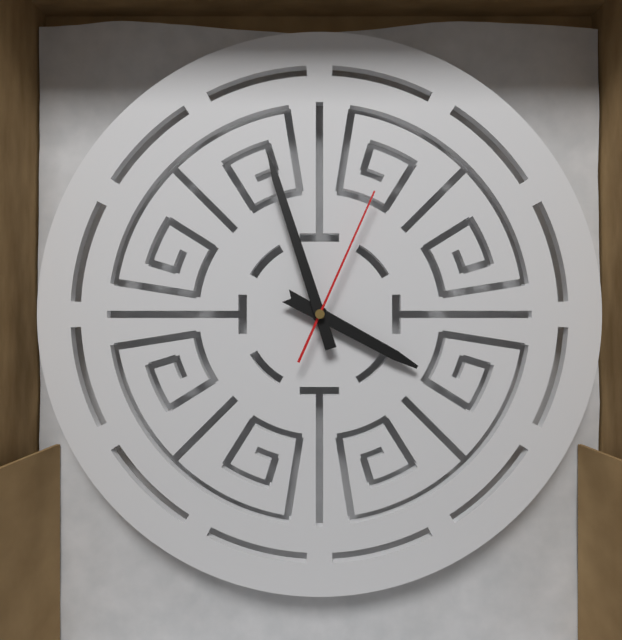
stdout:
3,57,04
